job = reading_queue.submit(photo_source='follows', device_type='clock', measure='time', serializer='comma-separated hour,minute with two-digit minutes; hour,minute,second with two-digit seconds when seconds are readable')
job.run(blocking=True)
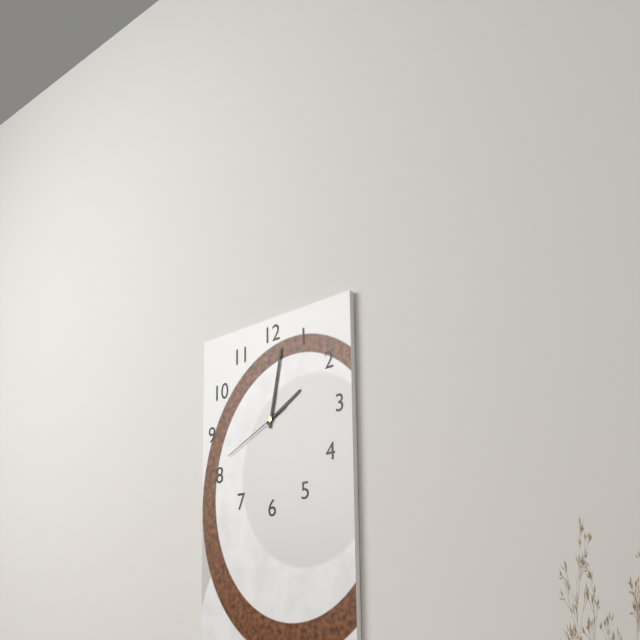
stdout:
2,02,41
